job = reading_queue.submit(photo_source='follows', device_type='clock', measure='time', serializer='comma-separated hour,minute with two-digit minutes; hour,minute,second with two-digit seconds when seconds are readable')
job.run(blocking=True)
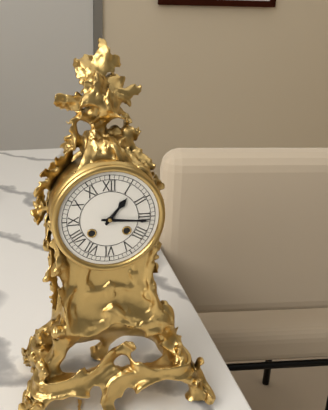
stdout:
1,16
